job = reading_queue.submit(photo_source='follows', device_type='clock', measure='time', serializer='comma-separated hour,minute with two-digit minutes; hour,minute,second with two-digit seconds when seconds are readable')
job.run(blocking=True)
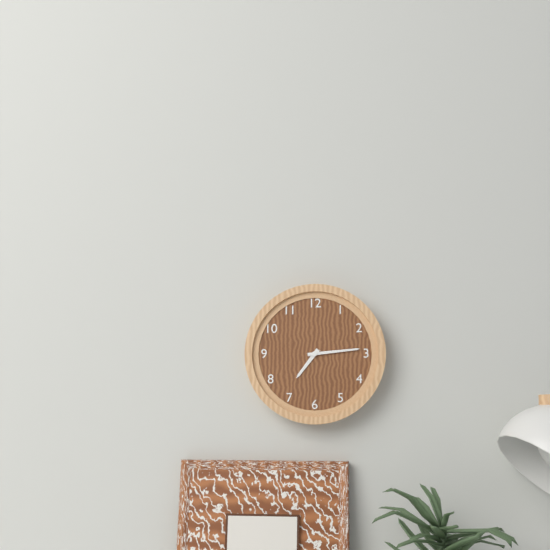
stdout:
7,14
